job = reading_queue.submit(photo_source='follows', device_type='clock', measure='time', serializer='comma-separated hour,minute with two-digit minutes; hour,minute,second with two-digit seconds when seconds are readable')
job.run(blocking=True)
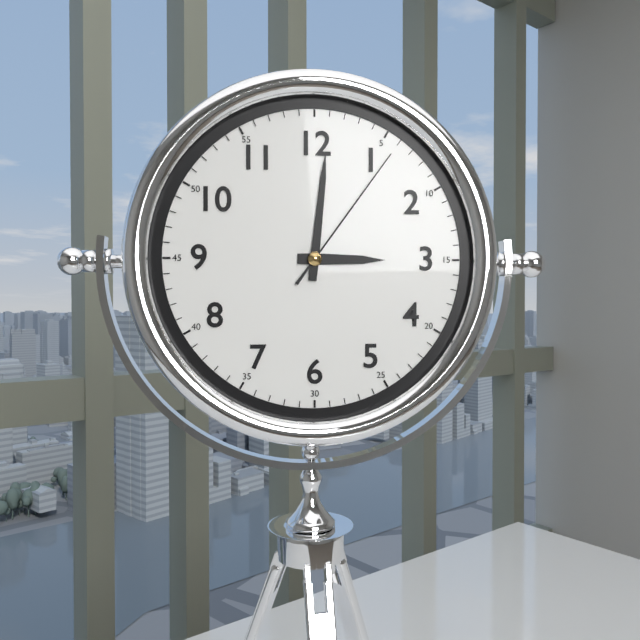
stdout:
3,01,06
